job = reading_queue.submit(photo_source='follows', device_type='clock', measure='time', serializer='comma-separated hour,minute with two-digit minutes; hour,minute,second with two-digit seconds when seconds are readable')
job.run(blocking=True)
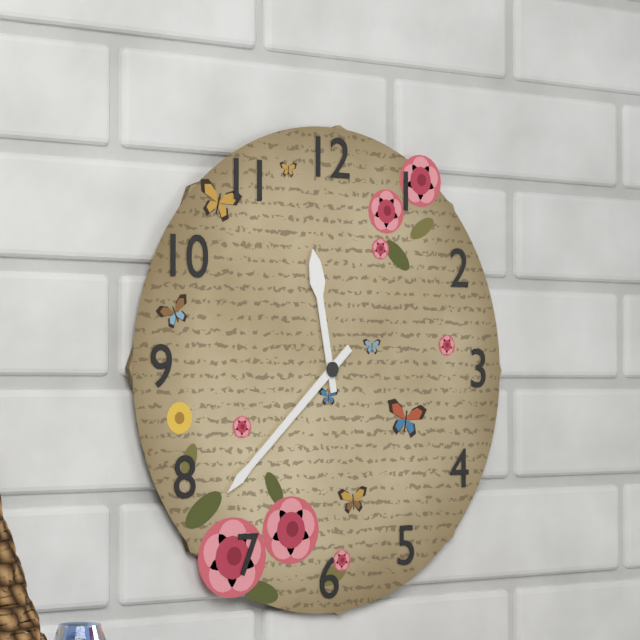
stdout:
11,38
